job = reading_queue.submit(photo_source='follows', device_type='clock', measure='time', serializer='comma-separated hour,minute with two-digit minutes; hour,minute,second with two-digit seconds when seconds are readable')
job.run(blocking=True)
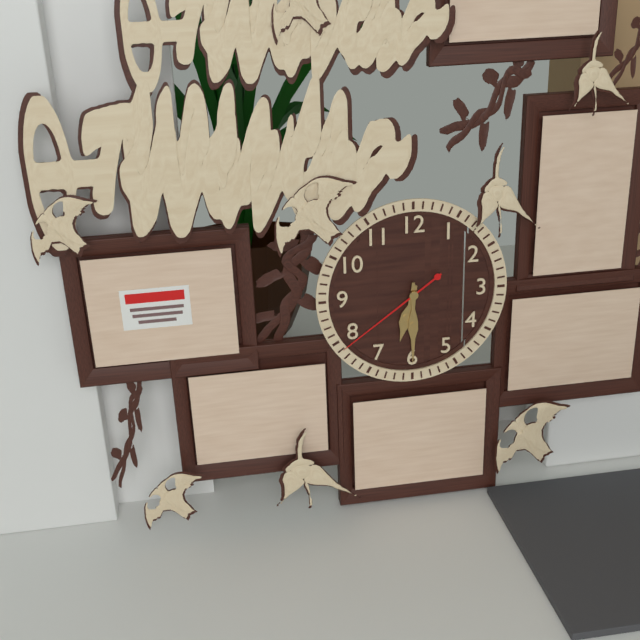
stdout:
6,30,39
